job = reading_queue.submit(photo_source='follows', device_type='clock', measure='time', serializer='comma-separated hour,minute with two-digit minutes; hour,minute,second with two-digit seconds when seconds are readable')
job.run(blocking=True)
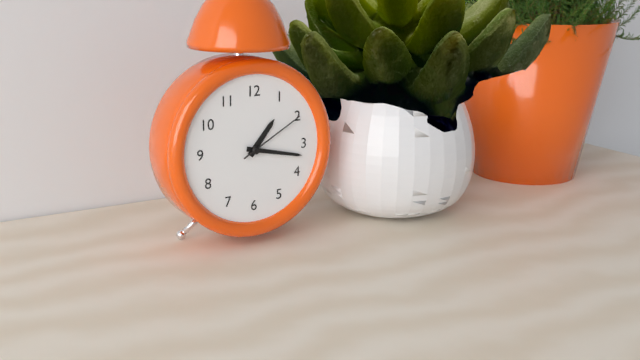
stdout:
1,17,10
